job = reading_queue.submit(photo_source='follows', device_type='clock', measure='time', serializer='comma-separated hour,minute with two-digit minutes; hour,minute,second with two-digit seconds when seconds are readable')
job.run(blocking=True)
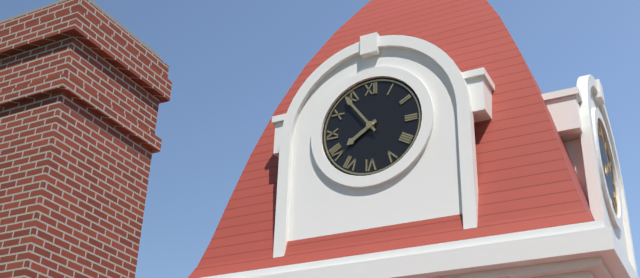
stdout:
7,54
